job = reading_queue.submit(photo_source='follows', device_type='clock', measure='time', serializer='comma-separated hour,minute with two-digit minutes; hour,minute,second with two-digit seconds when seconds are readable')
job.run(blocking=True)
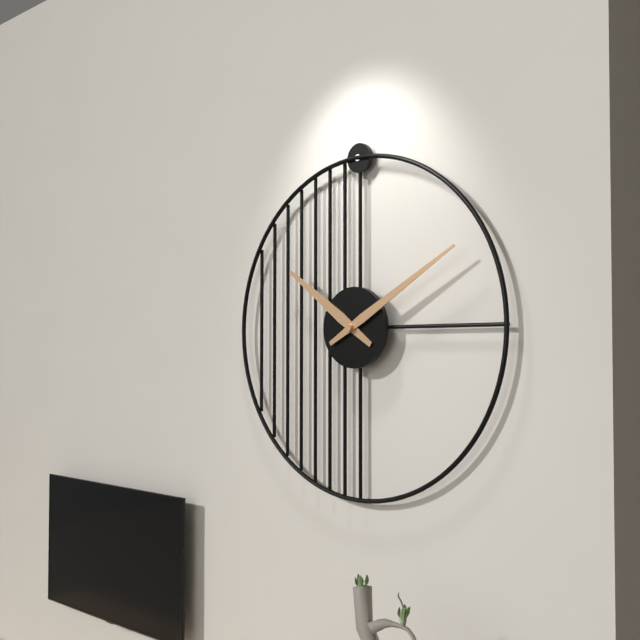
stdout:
10,10
